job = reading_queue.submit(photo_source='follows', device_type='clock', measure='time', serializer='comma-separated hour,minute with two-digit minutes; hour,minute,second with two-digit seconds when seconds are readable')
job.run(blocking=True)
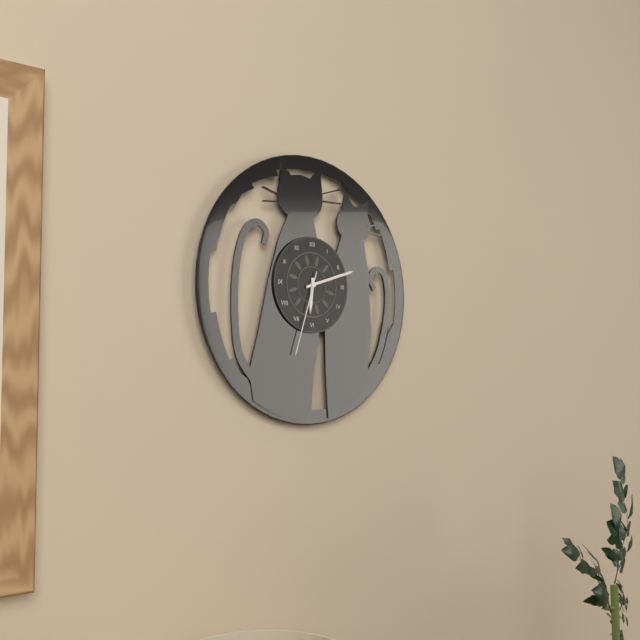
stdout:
6,12,33
